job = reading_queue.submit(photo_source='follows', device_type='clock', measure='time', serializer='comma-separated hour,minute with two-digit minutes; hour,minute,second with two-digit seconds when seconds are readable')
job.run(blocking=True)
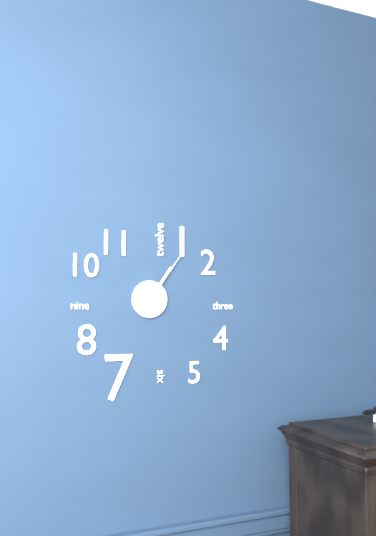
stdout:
1,06
